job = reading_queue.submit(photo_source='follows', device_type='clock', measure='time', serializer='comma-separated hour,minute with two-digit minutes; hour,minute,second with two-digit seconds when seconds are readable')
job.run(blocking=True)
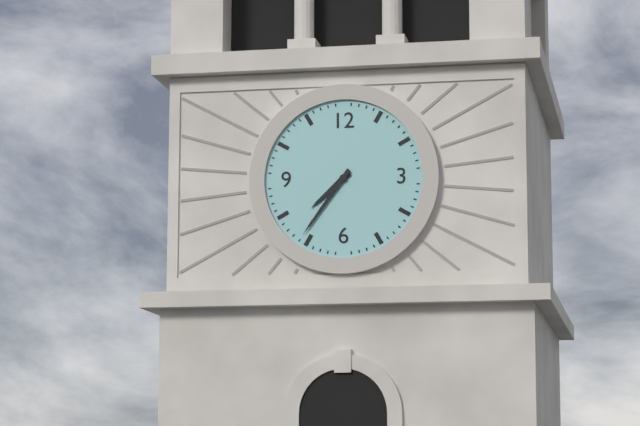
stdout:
7,36
